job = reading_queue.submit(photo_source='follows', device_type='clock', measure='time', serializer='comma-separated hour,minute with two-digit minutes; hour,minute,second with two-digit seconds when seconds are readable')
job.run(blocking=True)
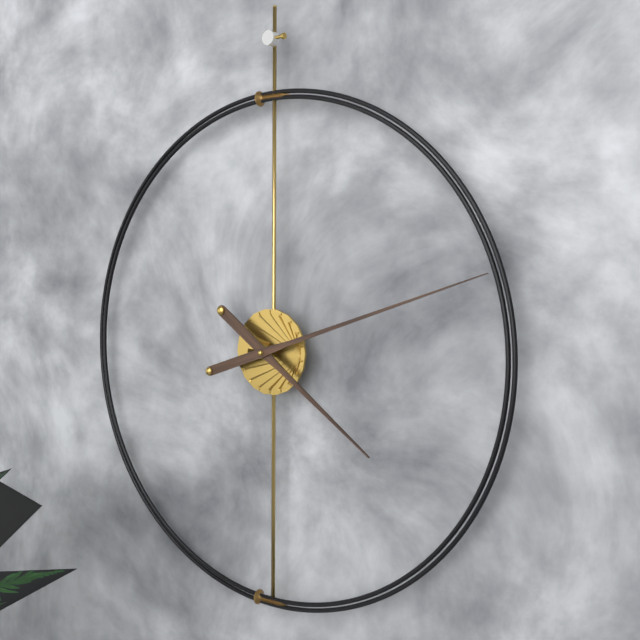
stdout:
4,12
